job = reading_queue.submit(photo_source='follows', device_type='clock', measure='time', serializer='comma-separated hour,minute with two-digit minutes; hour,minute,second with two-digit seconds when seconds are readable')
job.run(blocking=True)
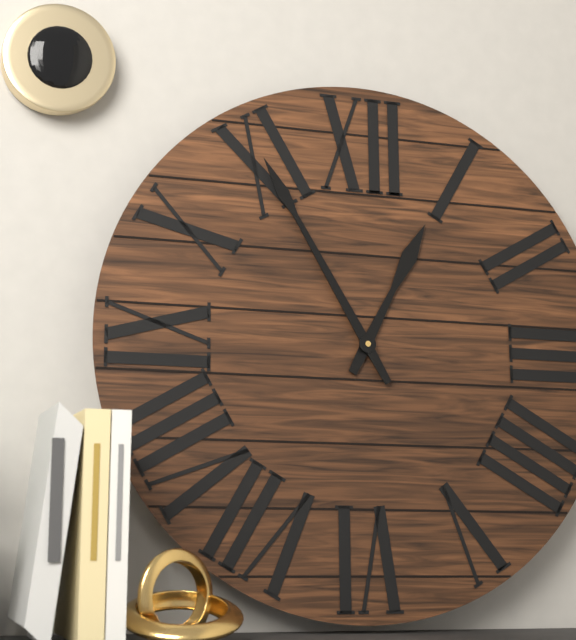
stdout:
12,55
